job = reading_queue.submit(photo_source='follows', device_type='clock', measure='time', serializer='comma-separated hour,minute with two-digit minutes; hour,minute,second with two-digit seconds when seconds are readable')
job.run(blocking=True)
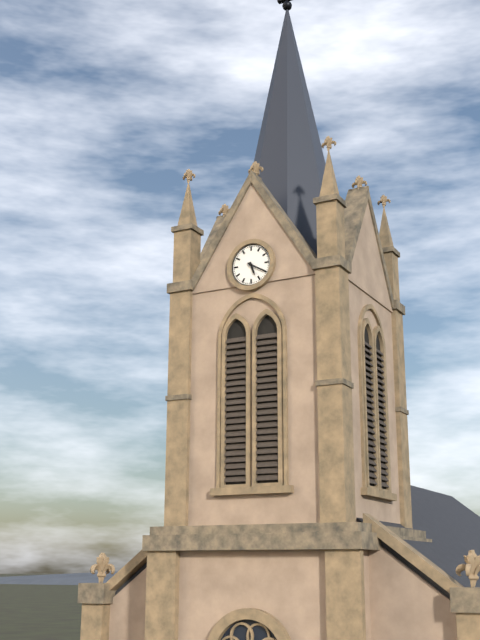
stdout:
5,20
